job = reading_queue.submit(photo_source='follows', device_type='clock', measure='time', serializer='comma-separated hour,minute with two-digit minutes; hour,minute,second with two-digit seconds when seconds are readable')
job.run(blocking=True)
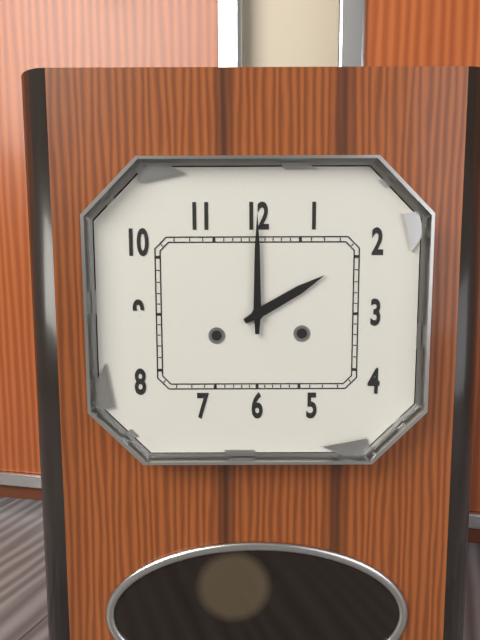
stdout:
2,00
